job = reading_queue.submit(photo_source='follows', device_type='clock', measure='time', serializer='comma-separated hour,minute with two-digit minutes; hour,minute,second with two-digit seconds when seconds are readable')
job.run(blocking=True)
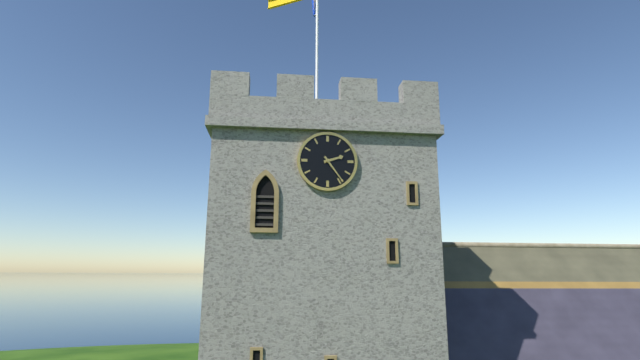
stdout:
2,24
